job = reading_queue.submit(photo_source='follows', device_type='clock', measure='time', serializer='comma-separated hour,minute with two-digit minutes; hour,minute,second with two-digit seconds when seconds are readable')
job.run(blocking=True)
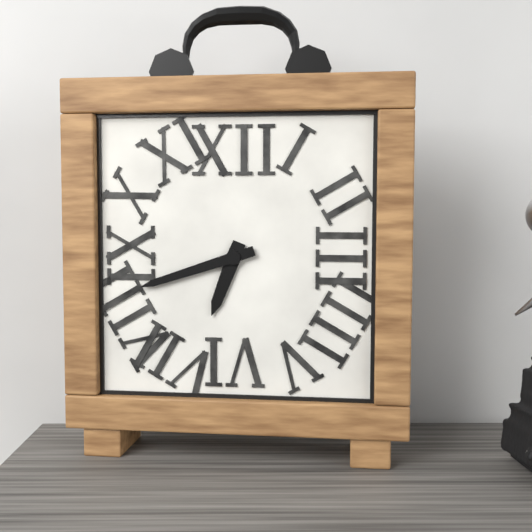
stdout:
6,42
